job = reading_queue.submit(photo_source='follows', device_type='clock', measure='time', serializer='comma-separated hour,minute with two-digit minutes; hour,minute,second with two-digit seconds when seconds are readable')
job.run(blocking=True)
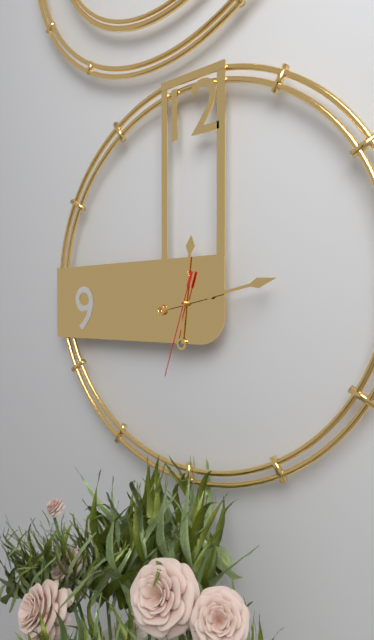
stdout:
12,13,33
